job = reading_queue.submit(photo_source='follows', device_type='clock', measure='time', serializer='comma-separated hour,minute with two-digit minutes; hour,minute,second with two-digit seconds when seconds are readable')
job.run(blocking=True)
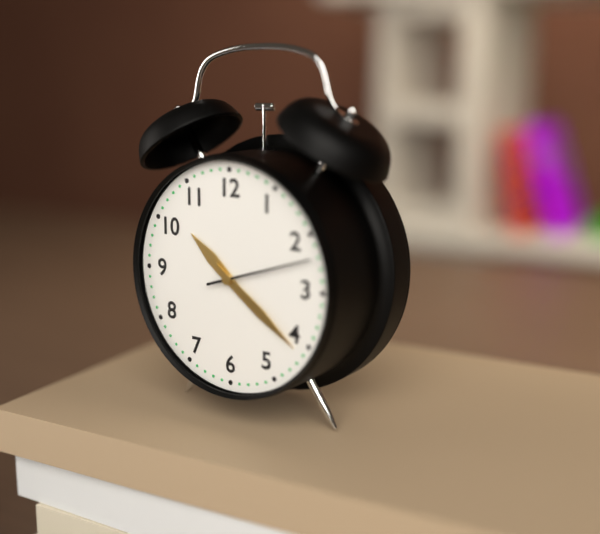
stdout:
10,21,12
